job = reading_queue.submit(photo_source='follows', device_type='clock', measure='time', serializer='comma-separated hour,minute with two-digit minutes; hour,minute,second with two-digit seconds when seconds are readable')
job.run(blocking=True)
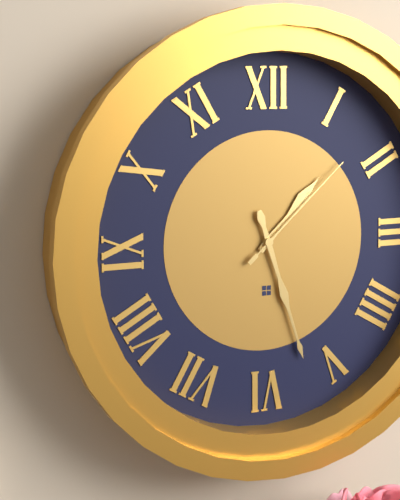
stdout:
1,27,08
